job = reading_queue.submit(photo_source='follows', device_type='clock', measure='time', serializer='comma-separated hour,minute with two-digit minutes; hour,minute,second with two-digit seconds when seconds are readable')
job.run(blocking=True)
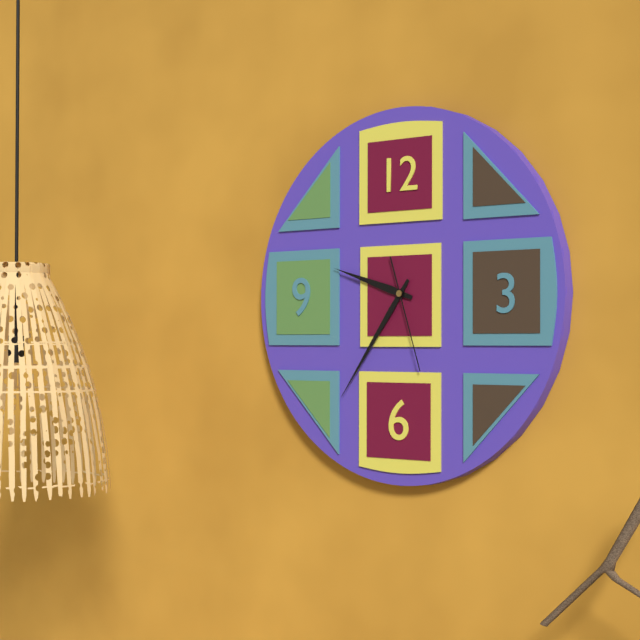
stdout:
9,36,27
